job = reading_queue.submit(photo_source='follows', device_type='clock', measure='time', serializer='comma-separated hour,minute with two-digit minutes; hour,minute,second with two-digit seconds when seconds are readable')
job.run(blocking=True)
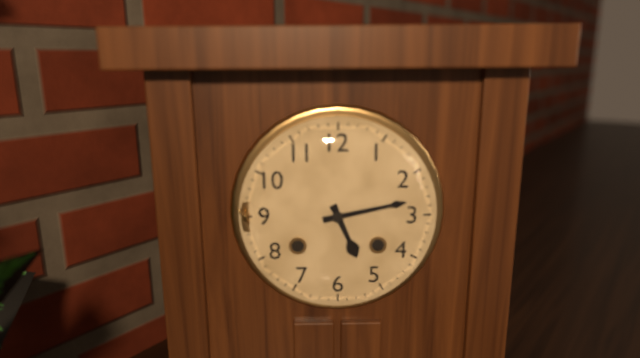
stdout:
5,13
